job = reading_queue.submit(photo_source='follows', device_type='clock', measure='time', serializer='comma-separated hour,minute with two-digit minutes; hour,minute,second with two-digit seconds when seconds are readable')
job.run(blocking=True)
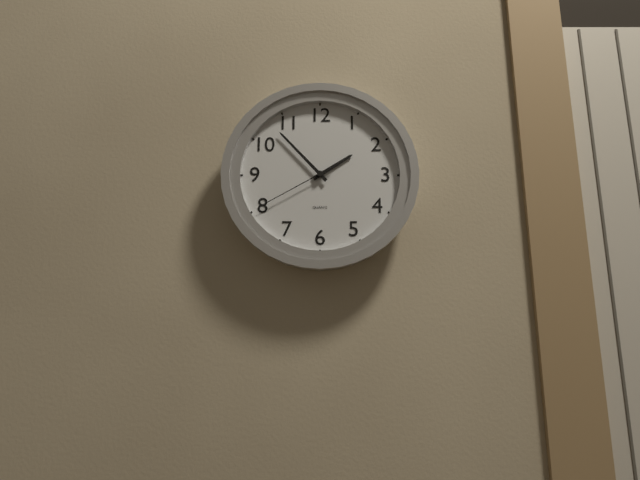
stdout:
1,53,40
